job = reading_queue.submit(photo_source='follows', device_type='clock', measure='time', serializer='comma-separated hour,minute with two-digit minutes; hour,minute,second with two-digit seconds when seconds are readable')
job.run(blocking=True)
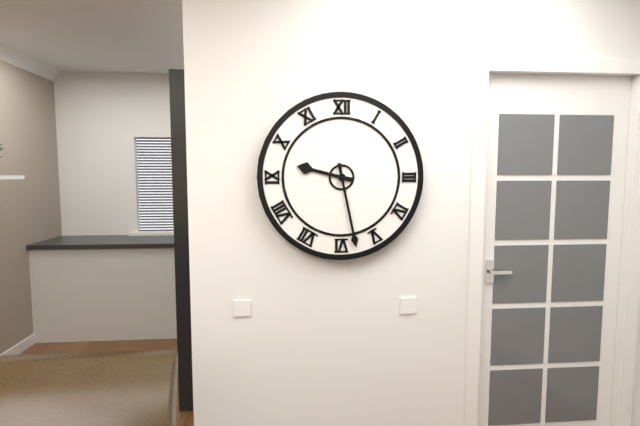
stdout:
9,28
